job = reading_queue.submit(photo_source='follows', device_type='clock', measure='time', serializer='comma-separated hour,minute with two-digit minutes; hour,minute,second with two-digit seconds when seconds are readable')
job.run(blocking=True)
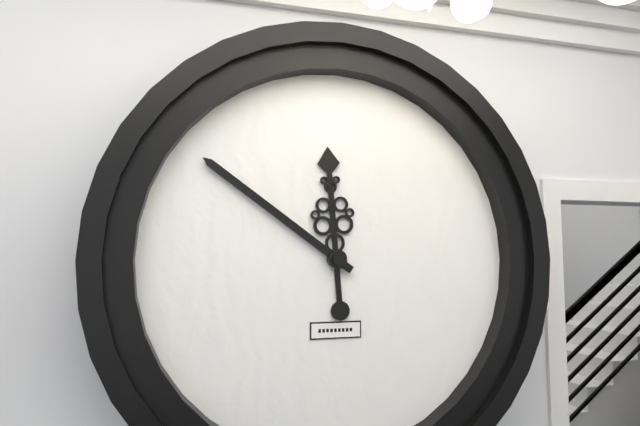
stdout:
11,51
